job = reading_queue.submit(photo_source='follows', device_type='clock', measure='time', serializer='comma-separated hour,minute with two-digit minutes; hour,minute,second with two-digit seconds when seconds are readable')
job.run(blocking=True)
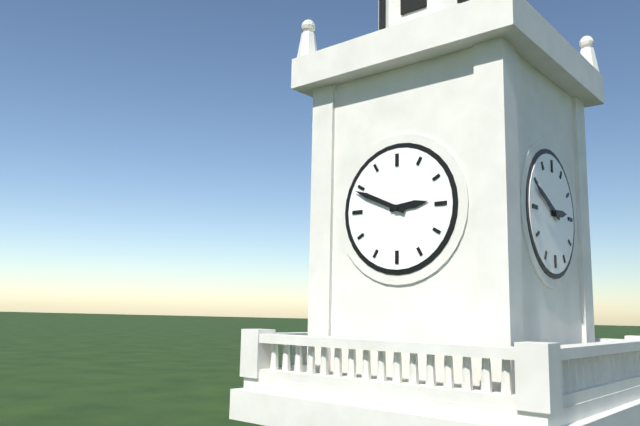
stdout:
2,49
